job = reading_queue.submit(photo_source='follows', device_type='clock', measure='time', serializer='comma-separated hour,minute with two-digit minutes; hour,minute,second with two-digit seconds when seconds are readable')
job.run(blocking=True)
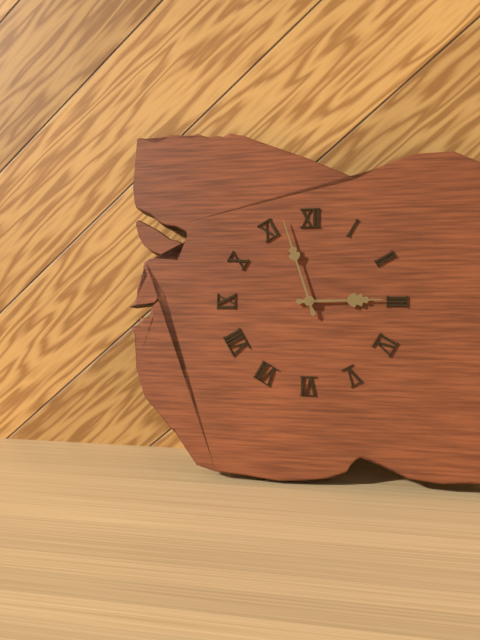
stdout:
2,57
